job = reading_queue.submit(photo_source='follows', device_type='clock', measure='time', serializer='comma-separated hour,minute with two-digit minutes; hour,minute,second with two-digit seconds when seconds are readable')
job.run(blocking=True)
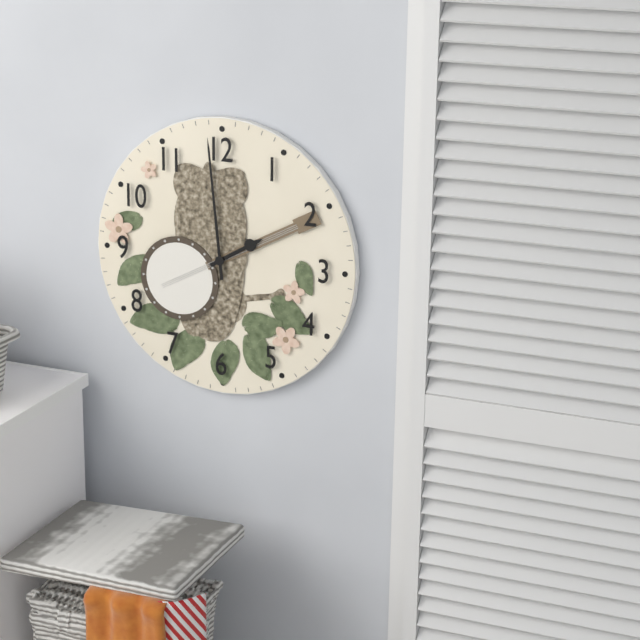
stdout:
1,59
